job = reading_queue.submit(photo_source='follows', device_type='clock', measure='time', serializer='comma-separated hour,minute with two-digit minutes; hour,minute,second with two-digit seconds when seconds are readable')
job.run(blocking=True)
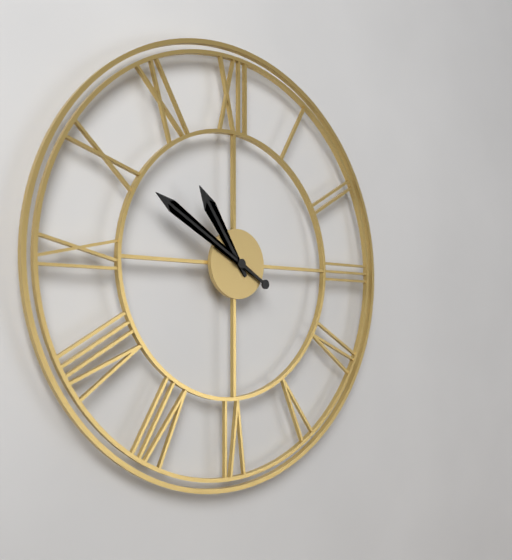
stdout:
10,50
